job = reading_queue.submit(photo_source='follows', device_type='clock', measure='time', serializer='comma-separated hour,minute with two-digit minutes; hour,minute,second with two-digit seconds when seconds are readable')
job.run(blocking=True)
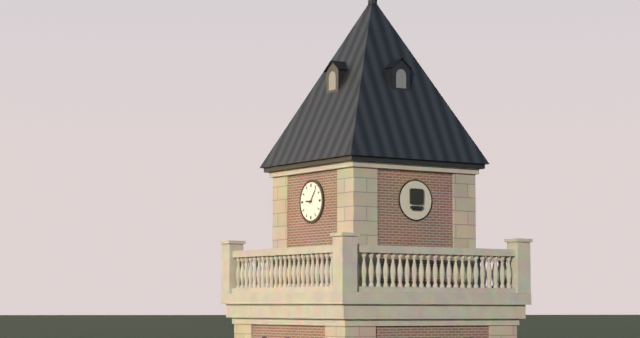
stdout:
9,06
